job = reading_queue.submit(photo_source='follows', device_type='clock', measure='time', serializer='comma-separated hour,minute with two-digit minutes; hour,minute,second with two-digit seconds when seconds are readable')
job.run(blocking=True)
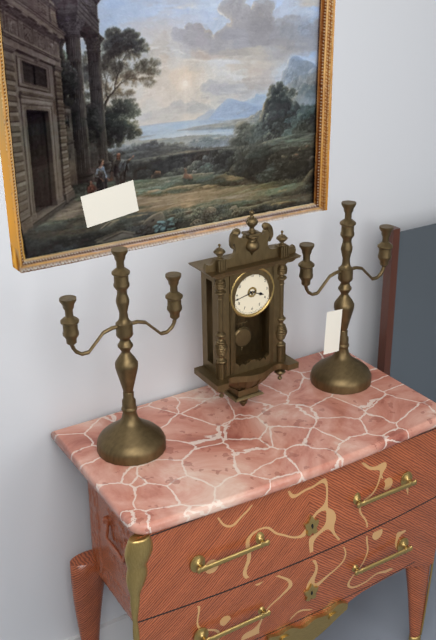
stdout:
3,43
